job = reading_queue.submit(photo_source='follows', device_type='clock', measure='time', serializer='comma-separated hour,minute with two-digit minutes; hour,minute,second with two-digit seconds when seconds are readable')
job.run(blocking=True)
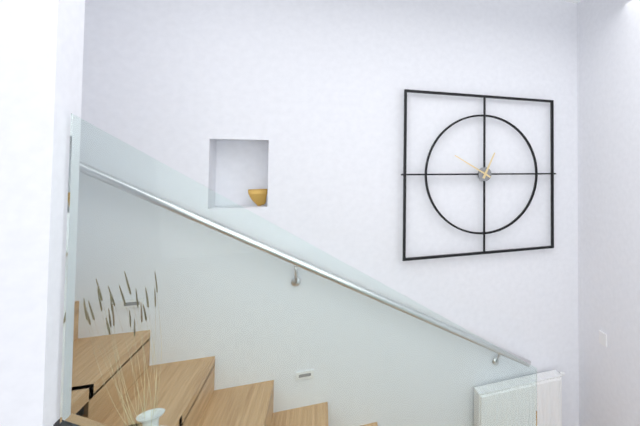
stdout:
12,50
